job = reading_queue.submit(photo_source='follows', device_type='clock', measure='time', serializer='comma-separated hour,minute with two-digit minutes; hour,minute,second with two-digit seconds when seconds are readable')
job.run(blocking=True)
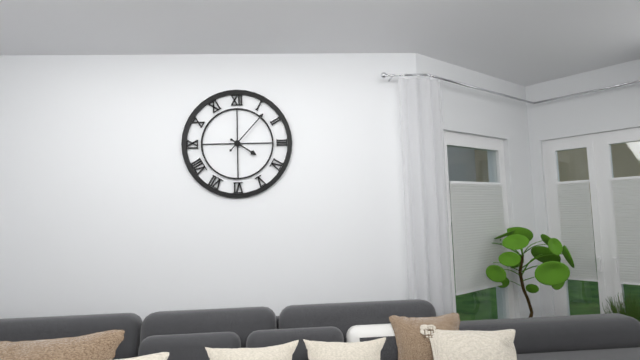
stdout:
4,07
